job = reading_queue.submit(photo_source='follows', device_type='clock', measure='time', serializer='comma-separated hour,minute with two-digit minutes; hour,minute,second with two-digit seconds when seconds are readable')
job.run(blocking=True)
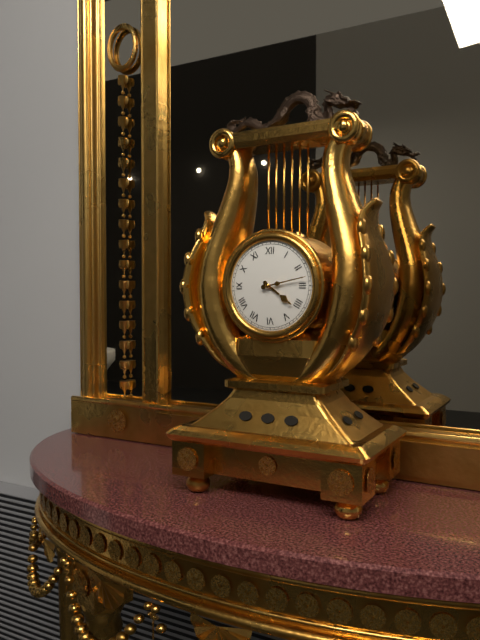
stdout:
4,13
